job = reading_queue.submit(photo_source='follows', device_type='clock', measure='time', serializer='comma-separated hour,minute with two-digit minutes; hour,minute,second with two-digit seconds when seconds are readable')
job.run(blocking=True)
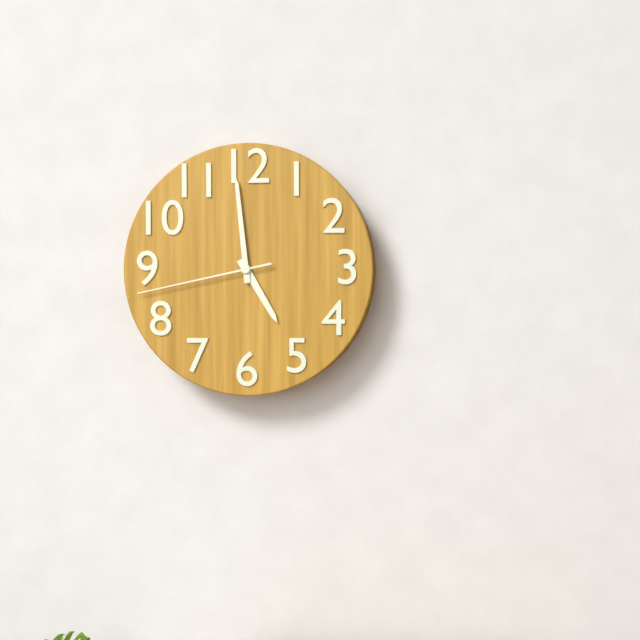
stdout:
4,59,43
